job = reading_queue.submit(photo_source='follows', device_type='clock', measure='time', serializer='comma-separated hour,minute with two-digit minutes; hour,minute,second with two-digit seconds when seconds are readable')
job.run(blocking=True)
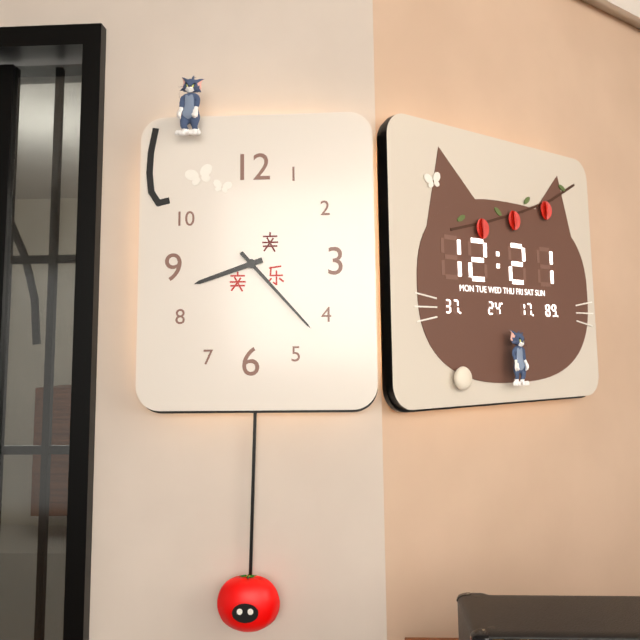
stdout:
8,23
